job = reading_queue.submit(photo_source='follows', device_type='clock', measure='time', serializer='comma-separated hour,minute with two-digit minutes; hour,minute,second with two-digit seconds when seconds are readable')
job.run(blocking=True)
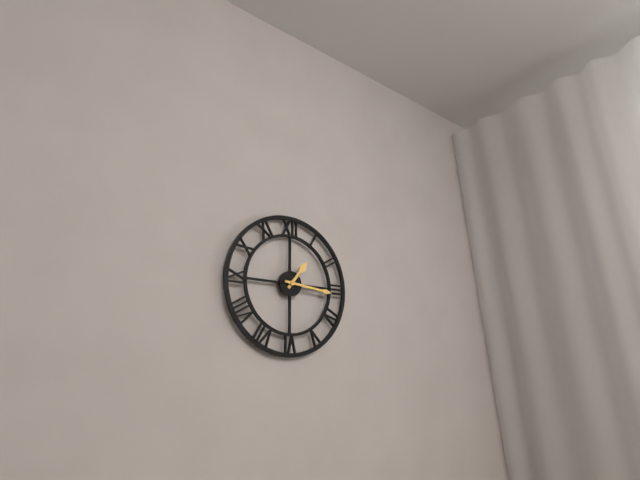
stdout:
1,16
